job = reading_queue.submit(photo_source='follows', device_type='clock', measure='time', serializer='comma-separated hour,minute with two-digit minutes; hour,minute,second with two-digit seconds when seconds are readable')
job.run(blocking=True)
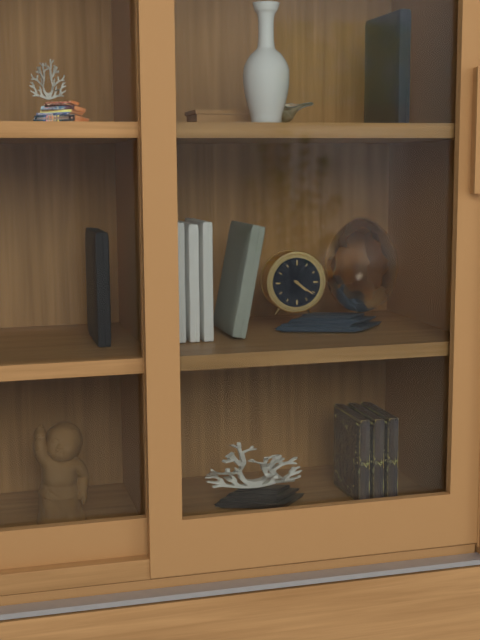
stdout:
4,21
